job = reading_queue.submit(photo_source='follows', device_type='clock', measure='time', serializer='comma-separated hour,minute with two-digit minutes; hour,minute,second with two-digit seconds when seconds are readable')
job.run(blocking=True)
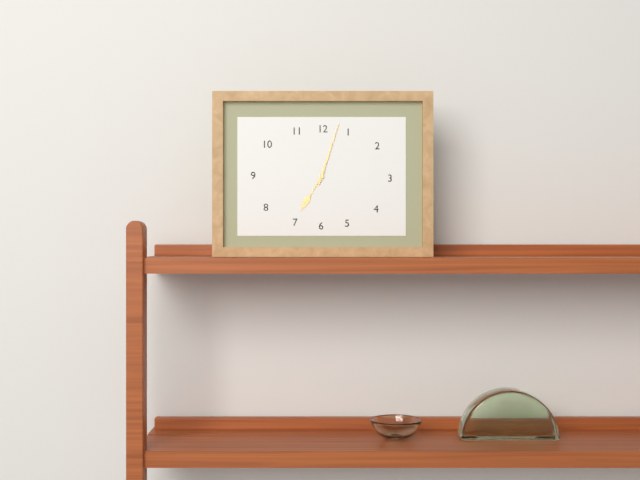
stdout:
7,03
